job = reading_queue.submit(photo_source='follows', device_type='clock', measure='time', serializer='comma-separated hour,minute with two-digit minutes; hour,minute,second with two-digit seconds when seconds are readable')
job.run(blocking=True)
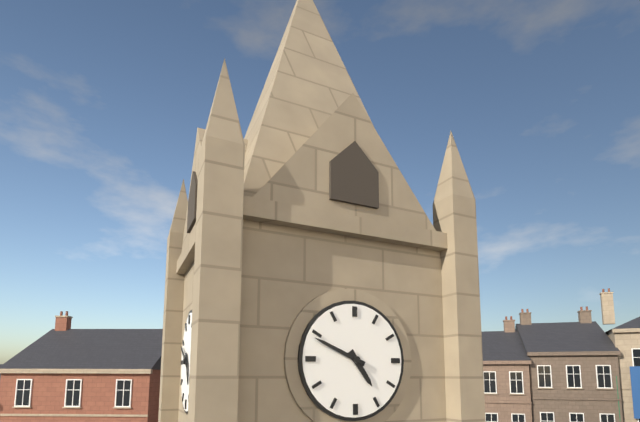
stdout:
4,49
